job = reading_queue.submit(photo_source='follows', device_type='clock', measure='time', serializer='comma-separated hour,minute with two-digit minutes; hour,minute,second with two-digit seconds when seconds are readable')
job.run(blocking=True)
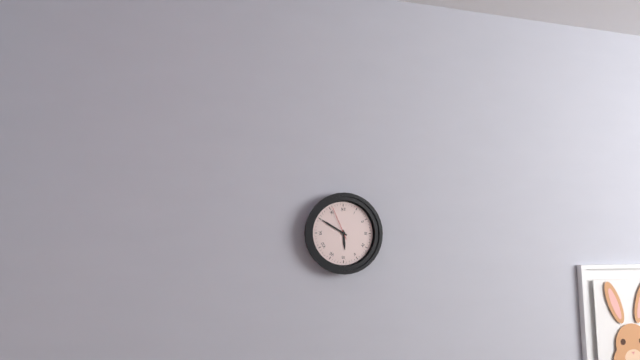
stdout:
5,50
